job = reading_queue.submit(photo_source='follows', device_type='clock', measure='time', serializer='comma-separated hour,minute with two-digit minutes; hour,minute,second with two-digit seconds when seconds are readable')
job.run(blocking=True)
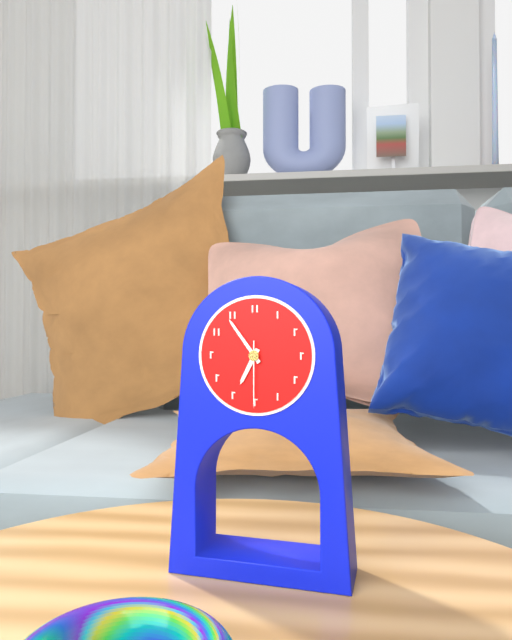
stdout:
6,54,30
